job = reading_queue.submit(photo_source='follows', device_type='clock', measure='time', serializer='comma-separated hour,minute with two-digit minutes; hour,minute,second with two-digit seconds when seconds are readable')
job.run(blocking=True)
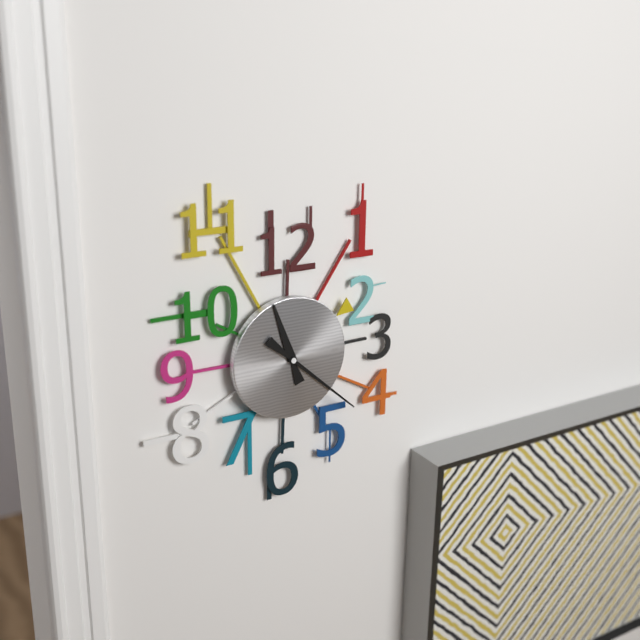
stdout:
11,22
